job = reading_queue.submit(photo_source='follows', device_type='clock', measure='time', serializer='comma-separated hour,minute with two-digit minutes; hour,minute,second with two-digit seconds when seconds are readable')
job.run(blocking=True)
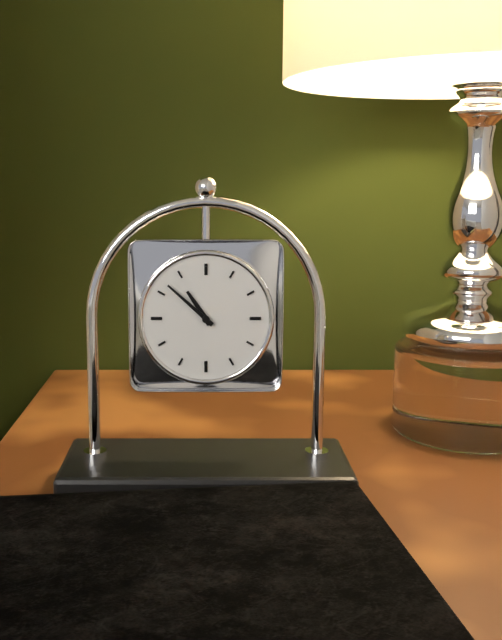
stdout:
10,52
